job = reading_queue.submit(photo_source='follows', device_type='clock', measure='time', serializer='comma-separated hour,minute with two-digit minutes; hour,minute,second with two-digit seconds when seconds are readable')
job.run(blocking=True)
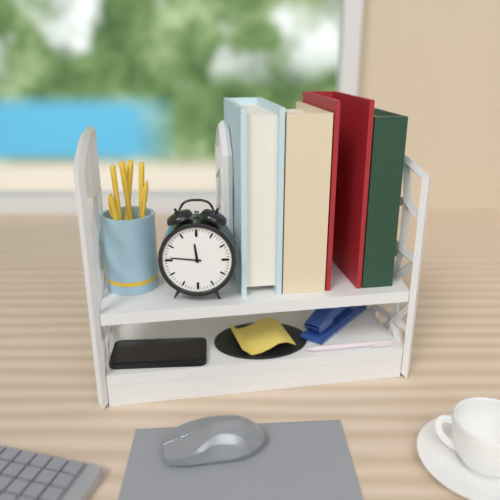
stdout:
11,46
